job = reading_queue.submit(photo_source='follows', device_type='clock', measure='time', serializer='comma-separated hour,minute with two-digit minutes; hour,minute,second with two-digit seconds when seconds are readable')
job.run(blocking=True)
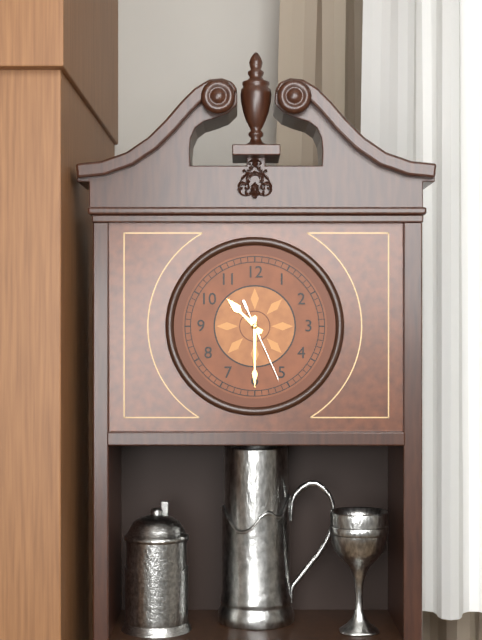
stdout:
10,30,26
